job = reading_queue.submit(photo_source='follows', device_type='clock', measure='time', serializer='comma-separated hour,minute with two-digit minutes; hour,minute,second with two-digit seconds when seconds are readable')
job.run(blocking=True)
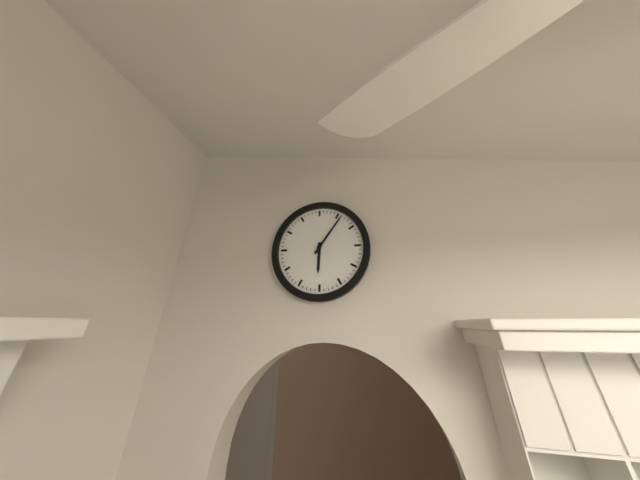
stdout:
6,06
